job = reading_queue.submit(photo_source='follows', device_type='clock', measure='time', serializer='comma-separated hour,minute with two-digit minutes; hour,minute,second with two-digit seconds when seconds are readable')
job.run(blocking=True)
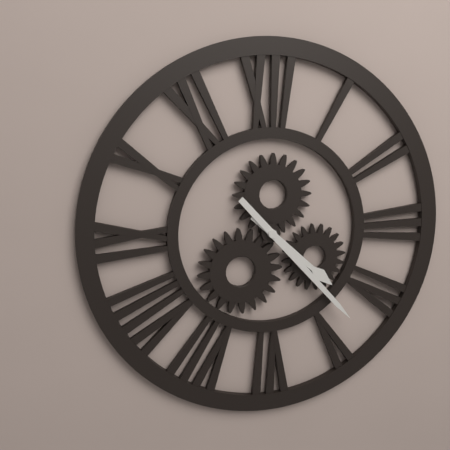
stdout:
4,23
